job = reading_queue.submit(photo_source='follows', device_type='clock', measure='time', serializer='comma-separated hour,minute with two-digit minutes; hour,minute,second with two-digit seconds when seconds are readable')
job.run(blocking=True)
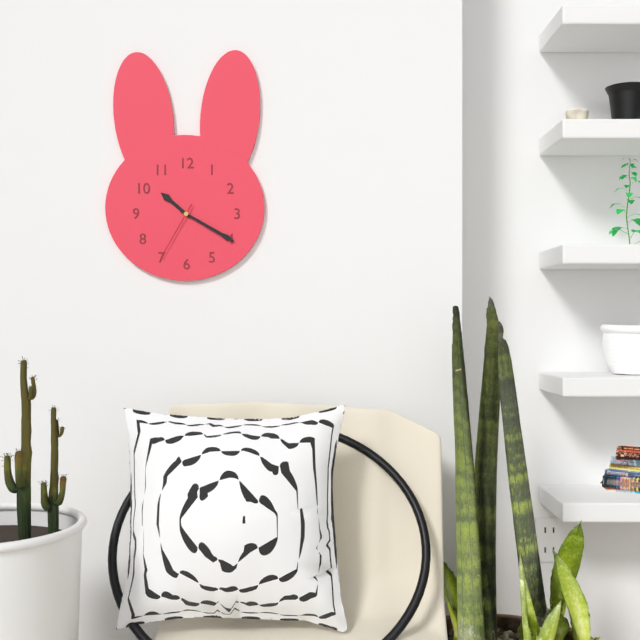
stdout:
10,20,35
